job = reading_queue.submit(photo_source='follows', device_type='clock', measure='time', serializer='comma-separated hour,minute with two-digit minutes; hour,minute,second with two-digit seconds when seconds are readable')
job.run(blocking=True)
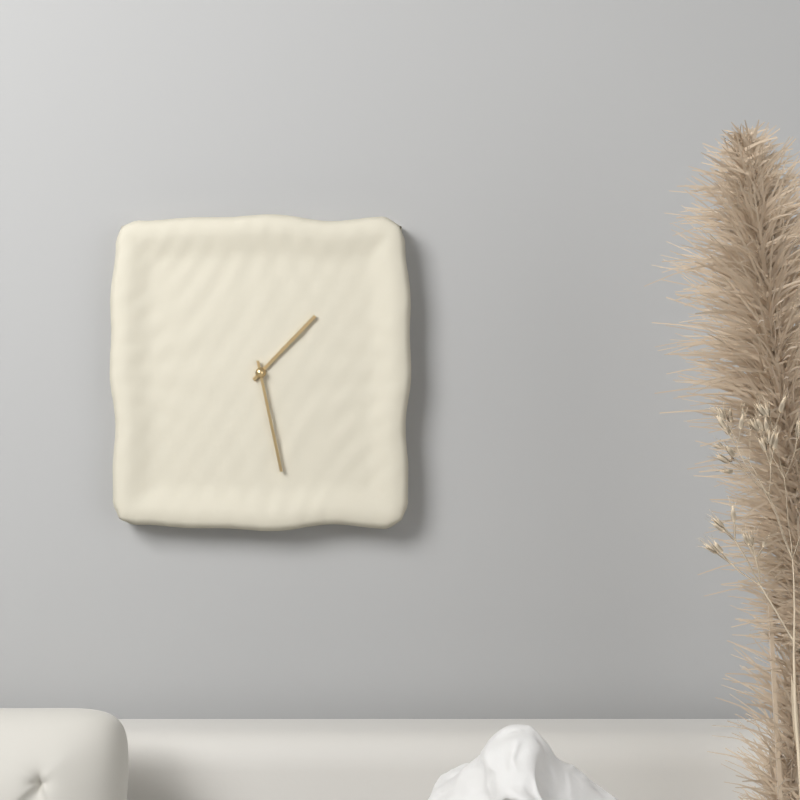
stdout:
1,28
